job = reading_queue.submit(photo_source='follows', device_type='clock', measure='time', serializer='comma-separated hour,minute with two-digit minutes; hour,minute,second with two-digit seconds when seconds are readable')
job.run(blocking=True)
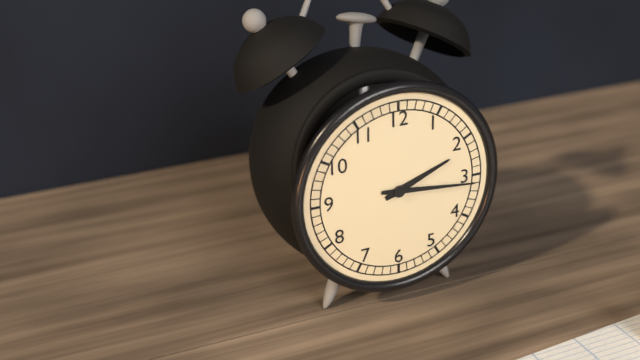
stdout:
2,16
